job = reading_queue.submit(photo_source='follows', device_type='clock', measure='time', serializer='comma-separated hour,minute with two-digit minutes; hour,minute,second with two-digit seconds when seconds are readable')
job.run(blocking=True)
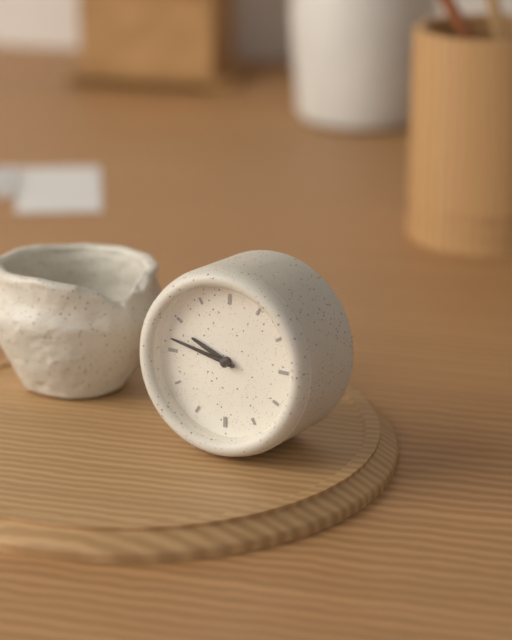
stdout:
9,47
